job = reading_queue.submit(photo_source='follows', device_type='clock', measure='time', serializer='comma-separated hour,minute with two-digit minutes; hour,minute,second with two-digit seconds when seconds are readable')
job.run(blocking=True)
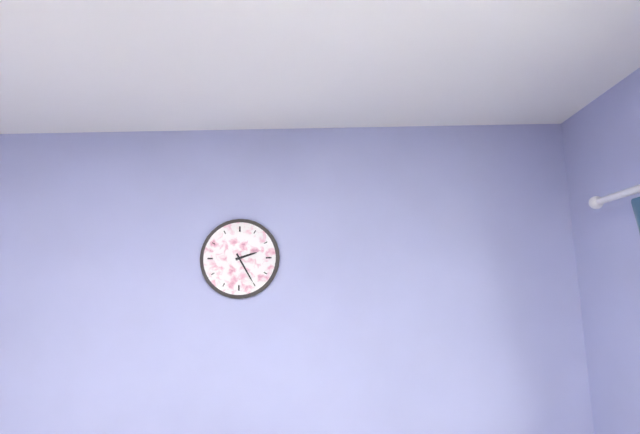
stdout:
2,25
